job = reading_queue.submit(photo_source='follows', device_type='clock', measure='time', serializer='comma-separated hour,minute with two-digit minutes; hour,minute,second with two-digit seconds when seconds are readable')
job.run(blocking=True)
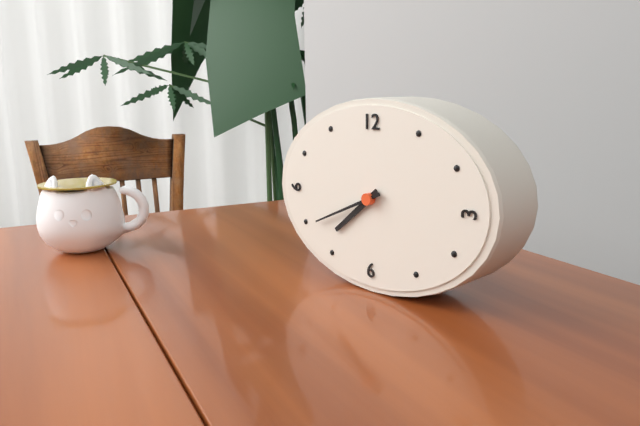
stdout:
7,41
